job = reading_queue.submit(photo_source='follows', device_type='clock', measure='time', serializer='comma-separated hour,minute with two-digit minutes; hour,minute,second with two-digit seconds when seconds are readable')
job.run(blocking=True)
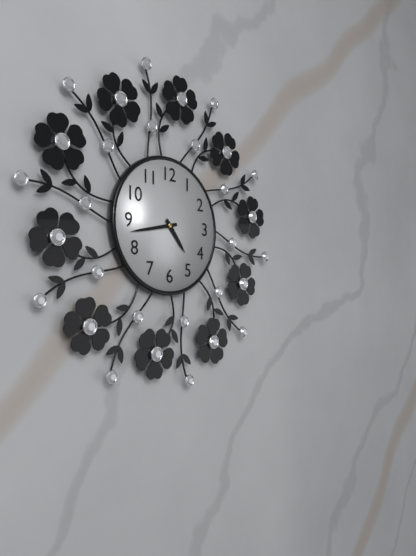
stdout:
4,43
